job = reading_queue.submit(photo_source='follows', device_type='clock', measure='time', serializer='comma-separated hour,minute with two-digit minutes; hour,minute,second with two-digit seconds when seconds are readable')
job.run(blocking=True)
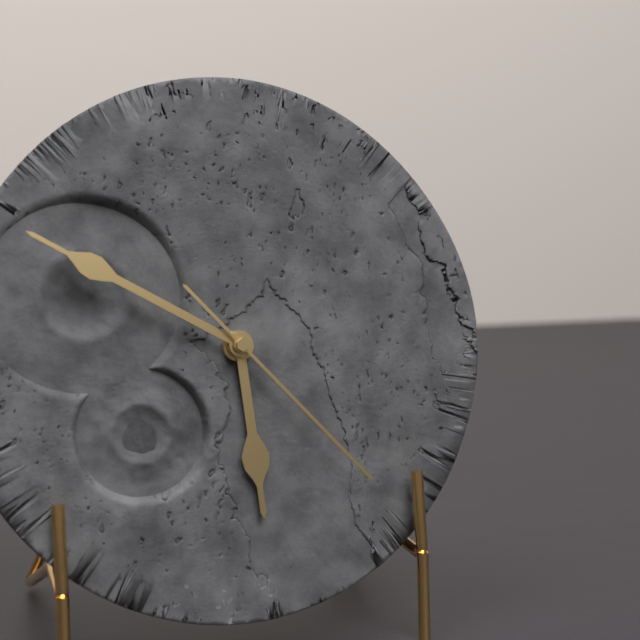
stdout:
5,50,23
